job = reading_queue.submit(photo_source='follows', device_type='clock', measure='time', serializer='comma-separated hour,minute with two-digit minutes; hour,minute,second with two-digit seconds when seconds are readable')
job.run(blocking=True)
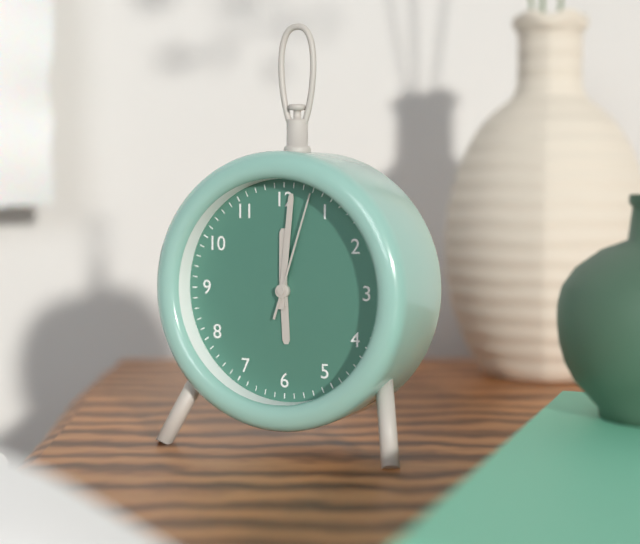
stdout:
12,01,03
